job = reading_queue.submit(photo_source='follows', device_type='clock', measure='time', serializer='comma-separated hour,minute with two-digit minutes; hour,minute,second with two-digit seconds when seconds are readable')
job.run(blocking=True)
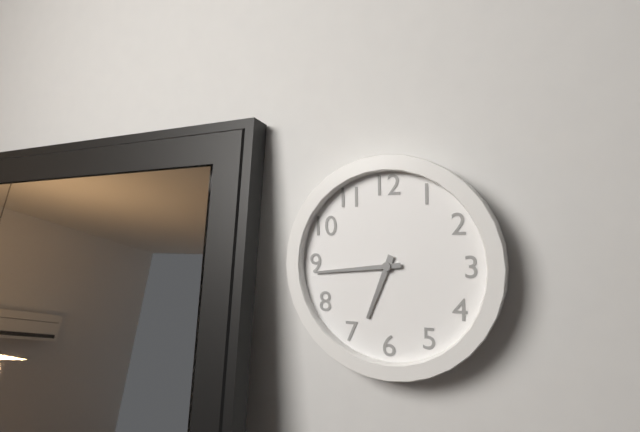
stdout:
6,44
